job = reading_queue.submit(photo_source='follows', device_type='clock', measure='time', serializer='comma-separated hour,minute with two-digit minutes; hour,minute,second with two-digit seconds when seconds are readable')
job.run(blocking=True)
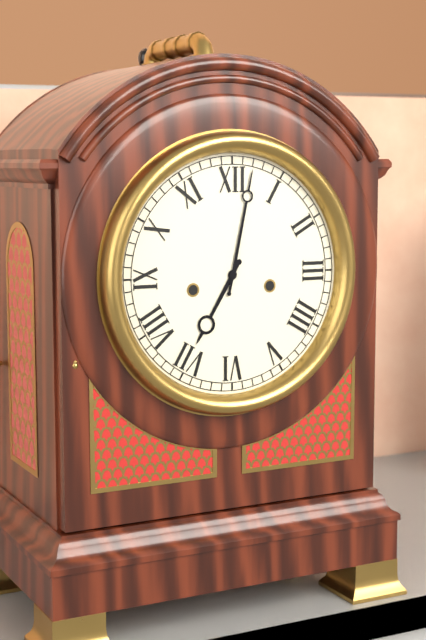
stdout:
7,02
